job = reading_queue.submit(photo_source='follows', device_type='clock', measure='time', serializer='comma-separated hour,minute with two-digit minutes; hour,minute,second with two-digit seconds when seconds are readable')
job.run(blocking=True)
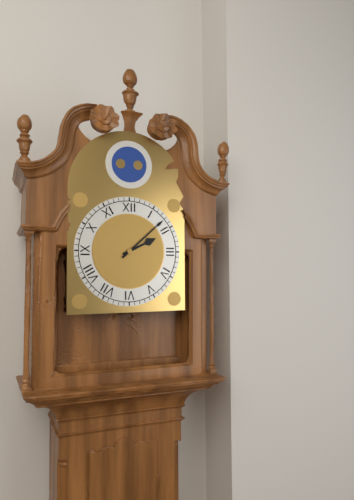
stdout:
2,08
